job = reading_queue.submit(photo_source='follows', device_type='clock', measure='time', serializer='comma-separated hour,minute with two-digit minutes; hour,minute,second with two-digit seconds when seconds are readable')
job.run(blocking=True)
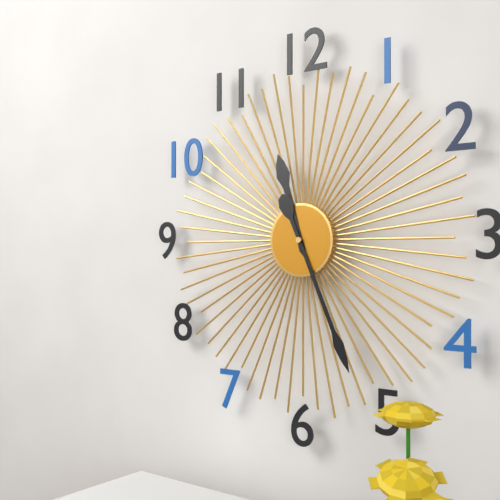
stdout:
11,26
